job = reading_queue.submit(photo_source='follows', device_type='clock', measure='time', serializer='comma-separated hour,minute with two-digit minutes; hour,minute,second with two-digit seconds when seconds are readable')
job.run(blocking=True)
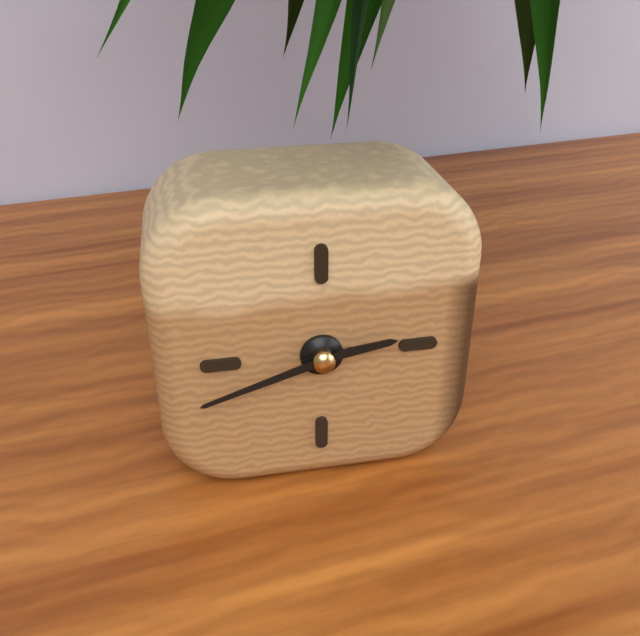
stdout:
2,42
